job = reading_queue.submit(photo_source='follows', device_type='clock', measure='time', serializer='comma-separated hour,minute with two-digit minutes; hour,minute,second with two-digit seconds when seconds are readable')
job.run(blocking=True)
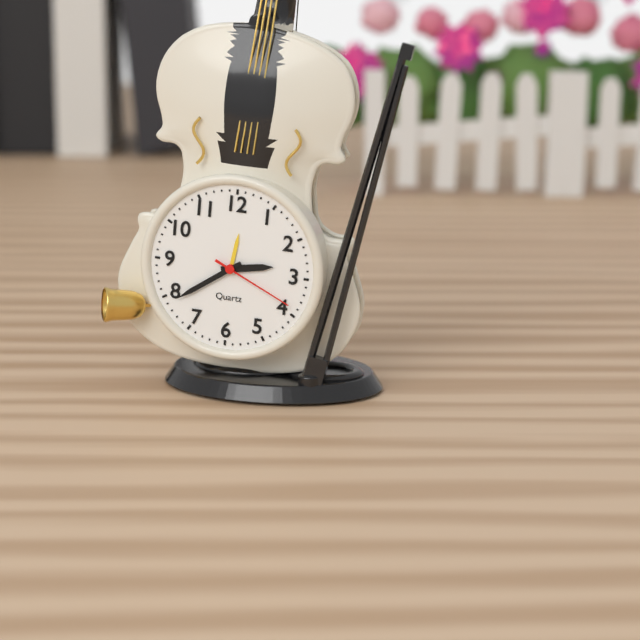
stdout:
2,39,19
